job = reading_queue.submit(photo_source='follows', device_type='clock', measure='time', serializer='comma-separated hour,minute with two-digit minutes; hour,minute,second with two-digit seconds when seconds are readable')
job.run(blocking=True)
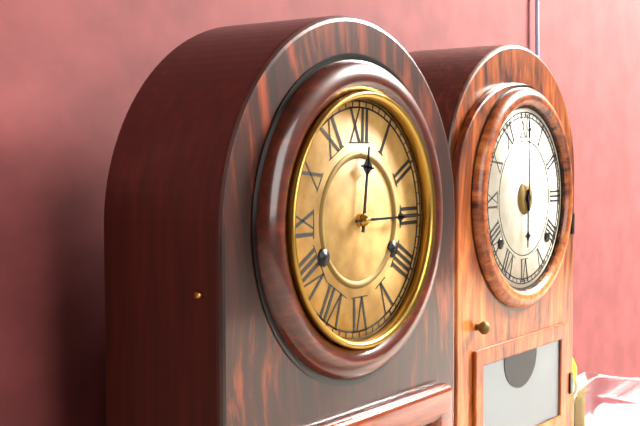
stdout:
12,15
